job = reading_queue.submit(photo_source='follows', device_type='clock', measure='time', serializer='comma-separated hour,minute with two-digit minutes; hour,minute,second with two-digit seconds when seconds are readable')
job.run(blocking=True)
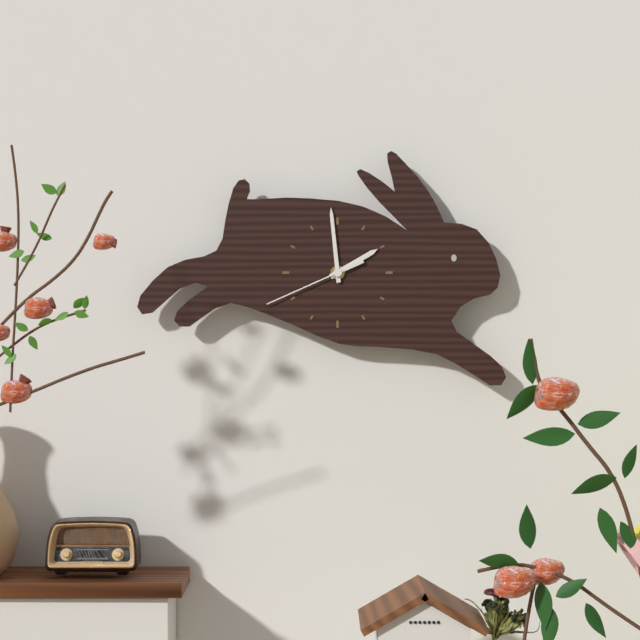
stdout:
1,59,41
